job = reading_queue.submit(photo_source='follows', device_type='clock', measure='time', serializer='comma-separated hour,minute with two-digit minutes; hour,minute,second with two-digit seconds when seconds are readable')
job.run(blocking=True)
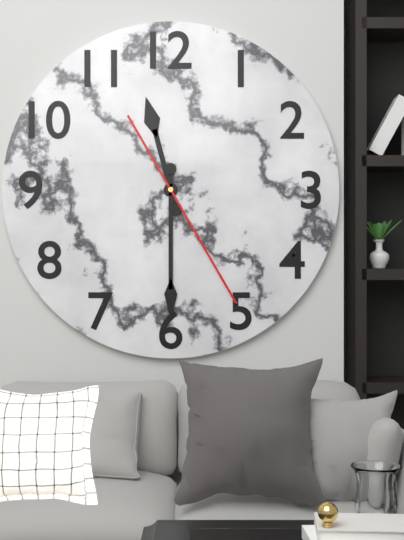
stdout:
11,30,25
